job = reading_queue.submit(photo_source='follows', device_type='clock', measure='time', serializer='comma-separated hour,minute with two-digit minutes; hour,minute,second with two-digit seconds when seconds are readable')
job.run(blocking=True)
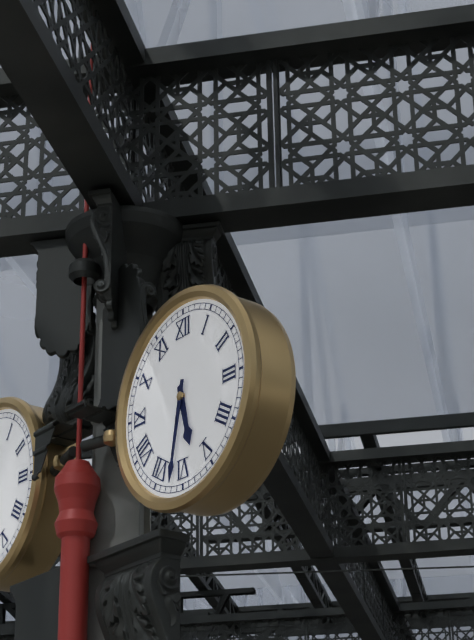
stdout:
5,32
